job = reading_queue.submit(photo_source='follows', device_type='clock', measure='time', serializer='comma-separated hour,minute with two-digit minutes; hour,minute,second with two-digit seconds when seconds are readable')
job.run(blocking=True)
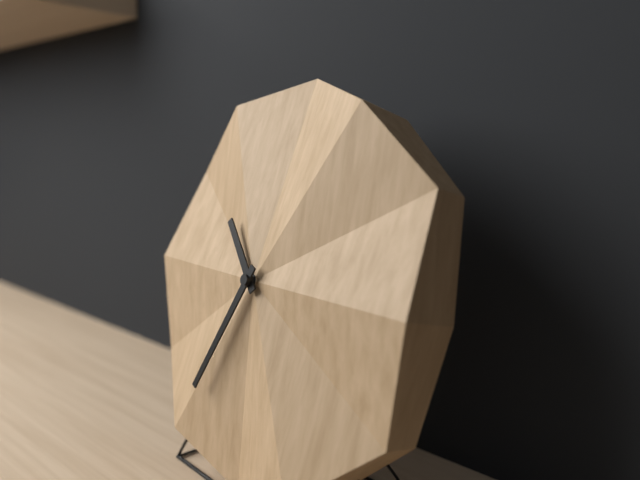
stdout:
10,34
